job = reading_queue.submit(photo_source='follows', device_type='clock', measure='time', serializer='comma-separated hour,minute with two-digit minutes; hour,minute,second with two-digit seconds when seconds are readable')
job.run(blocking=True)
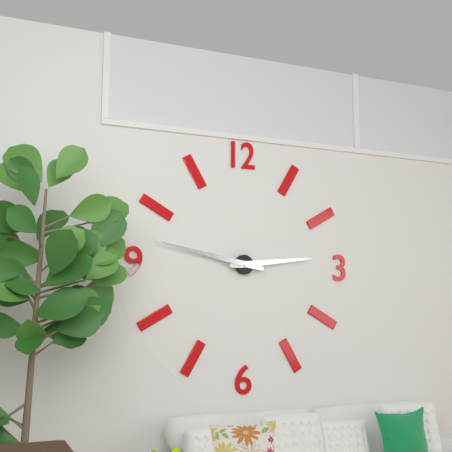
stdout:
2,47
